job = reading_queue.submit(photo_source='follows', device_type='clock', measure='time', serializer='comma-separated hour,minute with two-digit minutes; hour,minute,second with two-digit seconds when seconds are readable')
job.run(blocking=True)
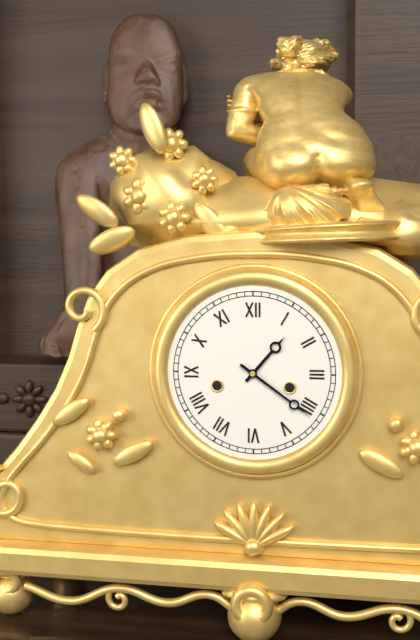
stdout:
1,21
